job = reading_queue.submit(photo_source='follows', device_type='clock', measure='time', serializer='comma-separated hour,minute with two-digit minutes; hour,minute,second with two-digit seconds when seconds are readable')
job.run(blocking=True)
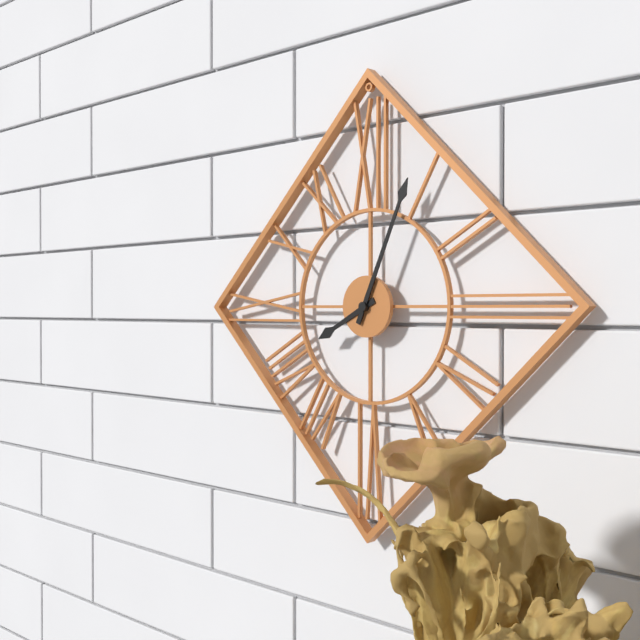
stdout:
8,04
